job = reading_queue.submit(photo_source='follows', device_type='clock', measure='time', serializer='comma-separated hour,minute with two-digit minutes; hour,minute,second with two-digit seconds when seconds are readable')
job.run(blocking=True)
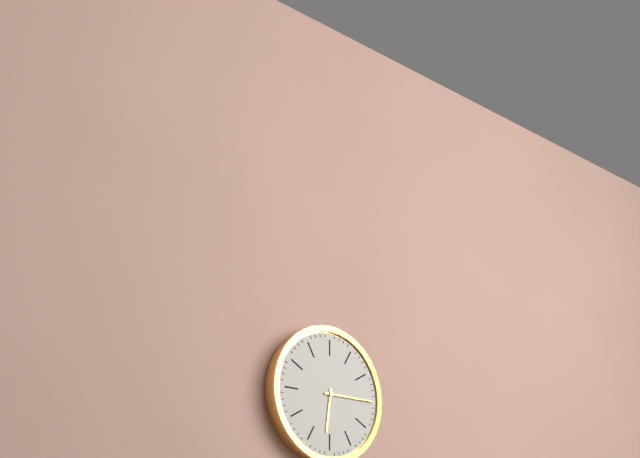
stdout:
6,15
